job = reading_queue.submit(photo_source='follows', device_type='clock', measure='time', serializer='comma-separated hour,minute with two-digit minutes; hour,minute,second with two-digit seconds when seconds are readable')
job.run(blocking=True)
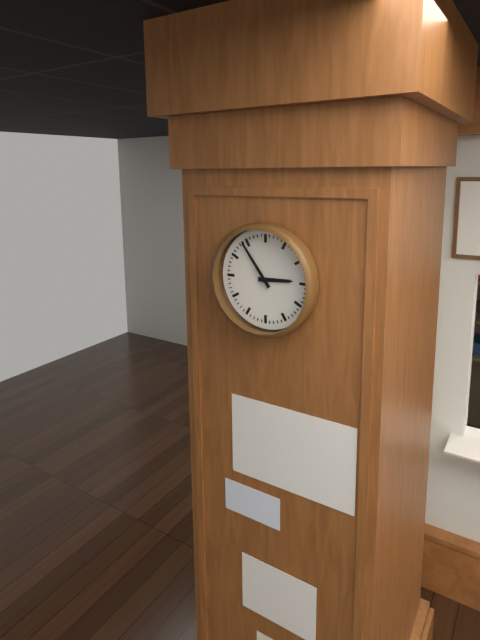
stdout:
2,54
